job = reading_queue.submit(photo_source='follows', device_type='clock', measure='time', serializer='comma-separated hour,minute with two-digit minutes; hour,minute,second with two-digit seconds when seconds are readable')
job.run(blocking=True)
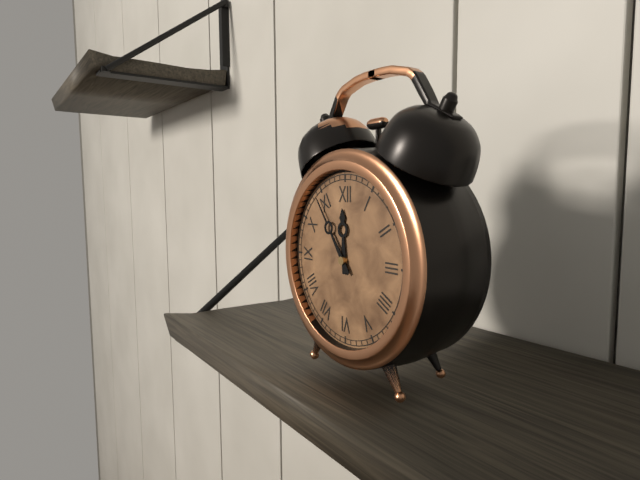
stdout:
11,54
